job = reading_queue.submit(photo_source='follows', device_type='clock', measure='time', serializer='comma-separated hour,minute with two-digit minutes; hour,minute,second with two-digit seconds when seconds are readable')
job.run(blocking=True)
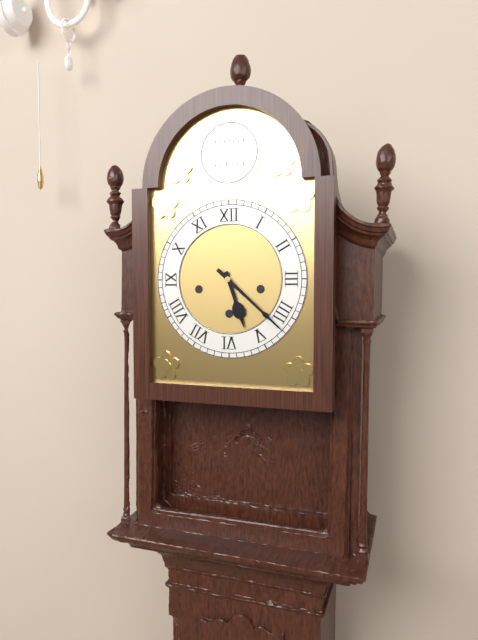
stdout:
5,22
